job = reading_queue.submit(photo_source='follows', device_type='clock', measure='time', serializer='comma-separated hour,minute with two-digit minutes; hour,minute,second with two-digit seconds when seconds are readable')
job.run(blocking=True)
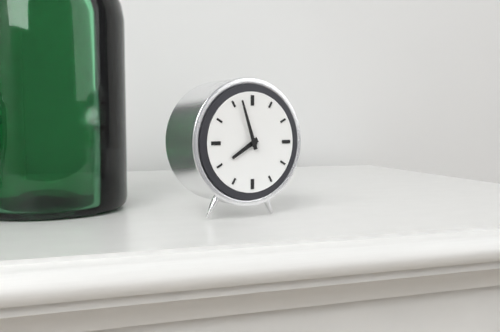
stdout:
7,57
